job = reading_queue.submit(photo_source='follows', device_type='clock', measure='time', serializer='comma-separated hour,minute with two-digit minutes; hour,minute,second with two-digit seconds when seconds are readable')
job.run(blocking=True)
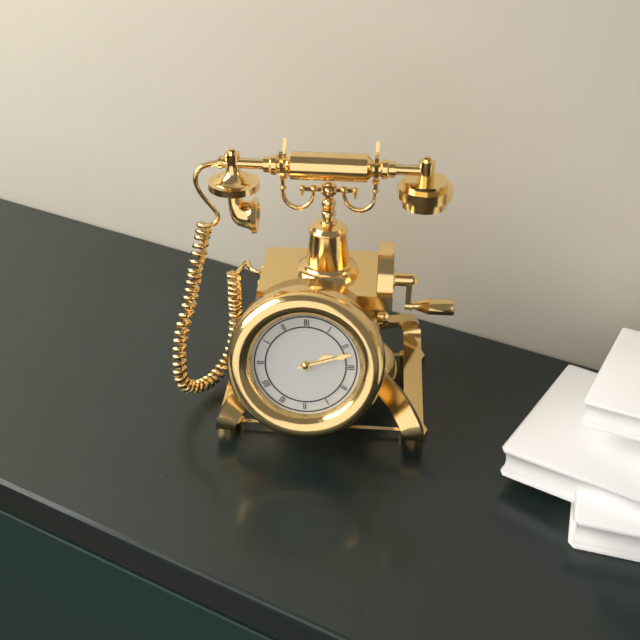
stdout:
2,12
